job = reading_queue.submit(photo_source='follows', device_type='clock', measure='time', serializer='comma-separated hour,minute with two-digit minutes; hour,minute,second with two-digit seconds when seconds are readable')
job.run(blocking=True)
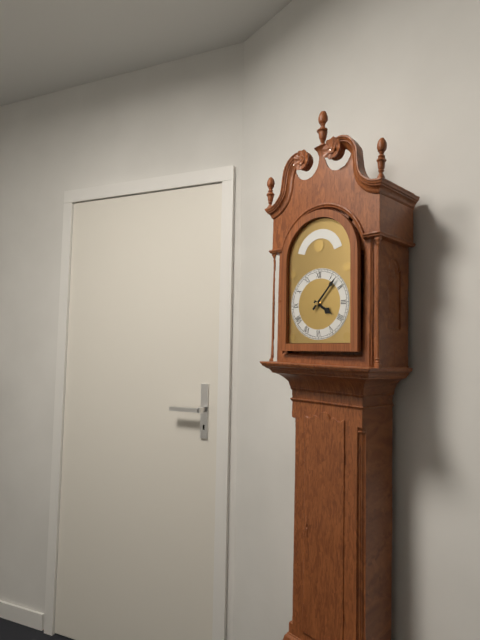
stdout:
4,07
